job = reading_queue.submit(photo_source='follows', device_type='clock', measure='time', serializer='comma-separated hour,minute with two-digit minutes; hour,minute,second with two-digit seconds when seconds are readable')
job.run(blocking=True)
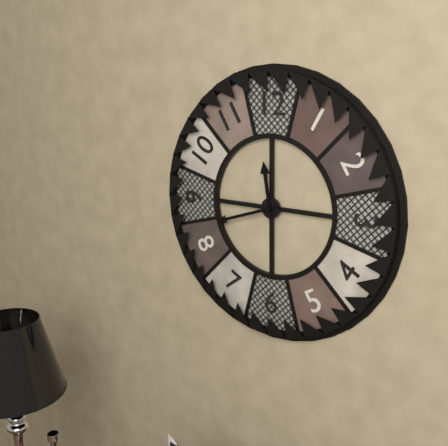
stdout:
11,42
